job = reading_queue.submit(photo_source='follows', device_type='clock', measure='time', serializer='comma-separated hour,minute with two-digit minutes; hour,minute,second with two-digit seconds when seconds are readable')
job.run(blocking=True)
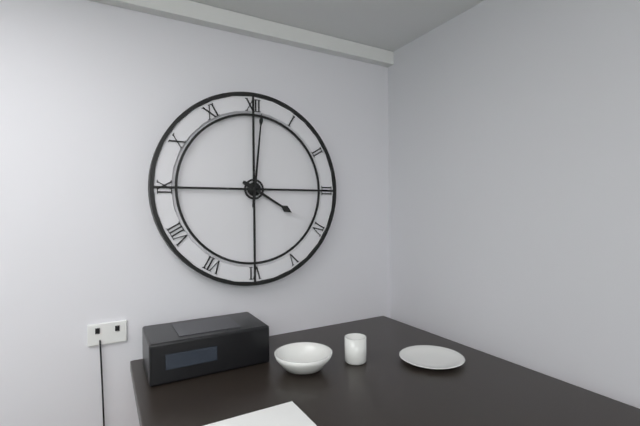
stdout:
4,01
